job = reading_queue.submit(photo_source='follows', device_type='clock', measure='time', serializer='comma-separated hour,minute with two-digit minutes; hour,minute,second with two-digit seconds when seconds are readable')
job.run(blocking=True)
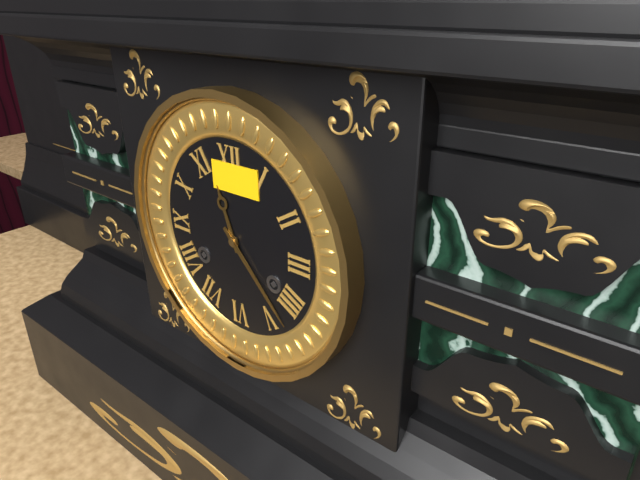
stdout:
11,23
